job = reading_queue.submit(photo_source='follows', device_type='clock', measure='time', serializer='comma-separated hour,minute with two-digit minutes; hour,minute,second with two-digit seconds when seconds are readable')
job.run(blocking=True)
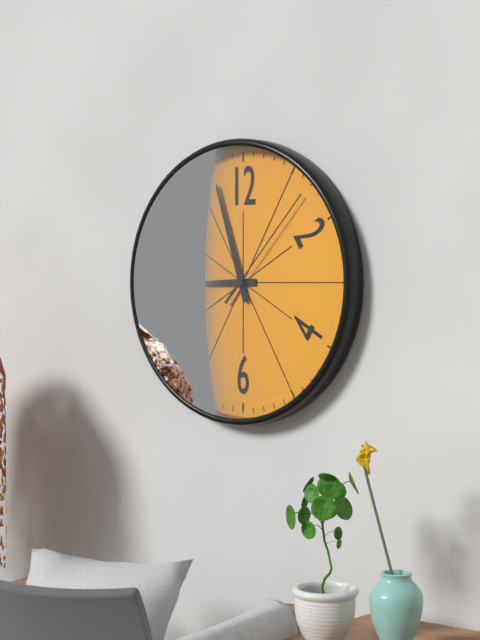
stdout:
8,57,07
